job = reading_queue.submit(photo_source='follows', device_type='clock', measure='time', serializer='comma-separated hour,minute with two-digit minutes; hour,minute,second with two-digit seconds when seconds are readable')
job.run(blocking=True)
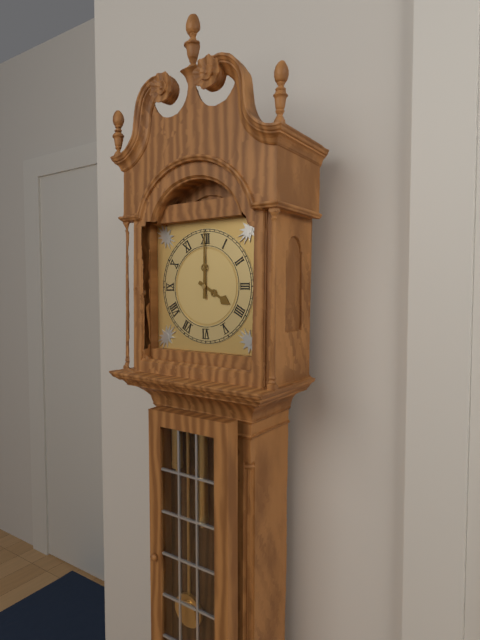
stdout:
4,00
